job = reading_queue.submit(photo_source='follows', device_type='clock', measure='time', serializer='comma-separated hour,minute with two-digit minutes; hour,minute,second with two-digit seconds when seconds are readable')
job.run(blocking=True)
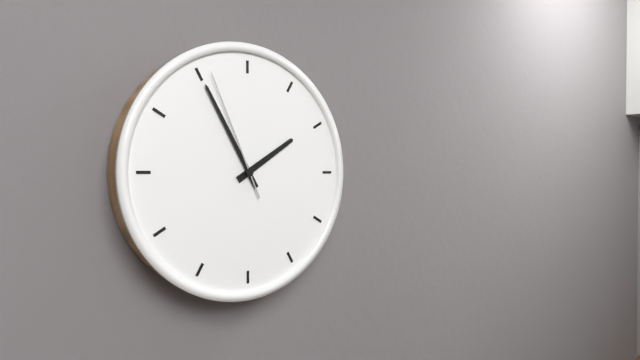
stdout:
1,55,56
